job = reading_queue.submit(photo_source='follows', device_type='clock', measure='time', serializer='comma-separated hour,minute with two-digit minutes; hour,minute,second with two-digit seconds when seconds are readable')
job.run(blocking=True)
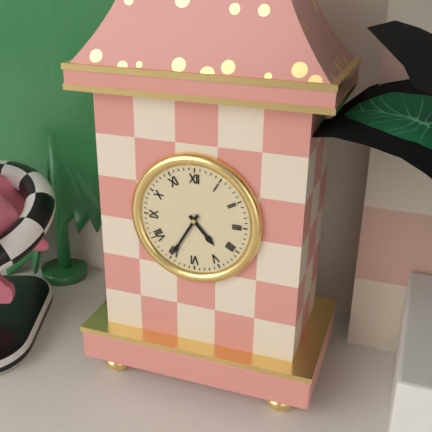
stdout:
4,35
